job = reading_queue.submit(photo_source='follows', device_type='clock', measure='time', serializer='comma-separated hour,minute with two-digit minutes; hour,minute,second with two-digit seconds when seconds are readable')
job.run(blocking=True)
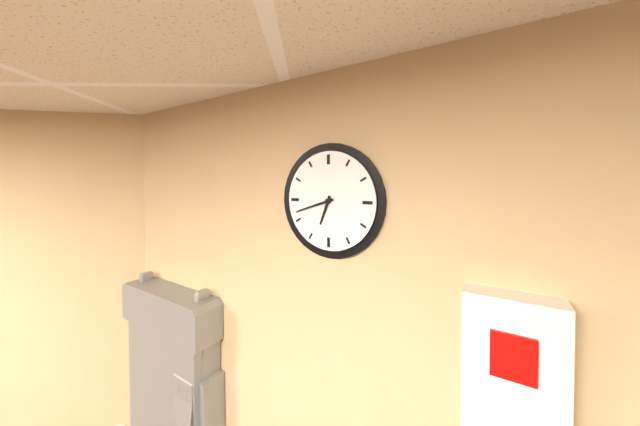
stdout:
6,42
